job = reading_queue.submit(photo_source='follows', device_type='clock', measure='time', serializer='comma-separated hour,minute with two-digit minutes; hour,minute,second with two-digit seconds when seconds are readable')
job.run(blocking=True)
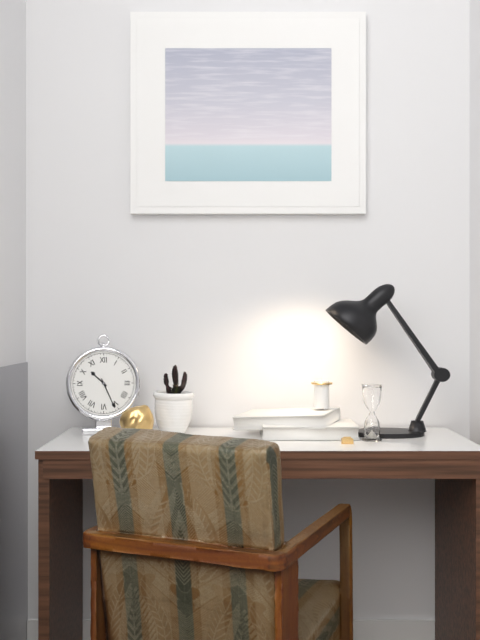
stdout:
10,26
